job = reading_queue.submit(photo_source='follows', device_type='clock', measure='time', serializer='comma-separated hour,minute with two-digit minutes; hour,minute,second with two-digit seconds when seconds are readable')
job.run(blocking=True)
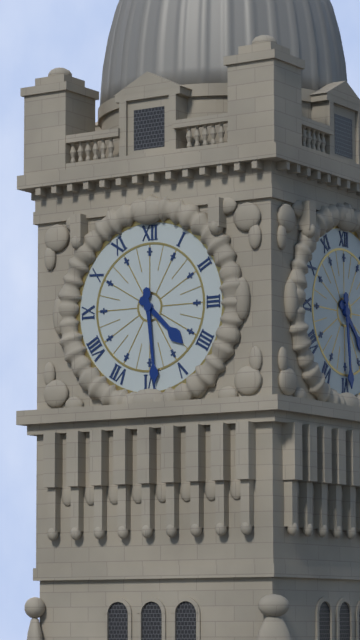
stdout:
4,29
